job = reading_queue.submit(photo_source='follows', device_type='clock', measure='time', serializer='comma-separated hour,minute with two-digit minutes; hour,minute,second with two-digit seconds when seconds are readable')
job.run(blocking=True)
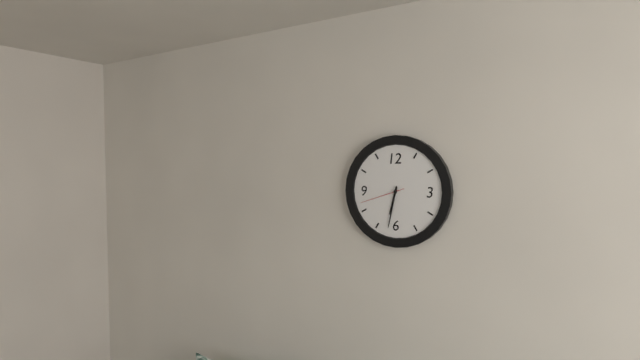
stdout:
6,32
